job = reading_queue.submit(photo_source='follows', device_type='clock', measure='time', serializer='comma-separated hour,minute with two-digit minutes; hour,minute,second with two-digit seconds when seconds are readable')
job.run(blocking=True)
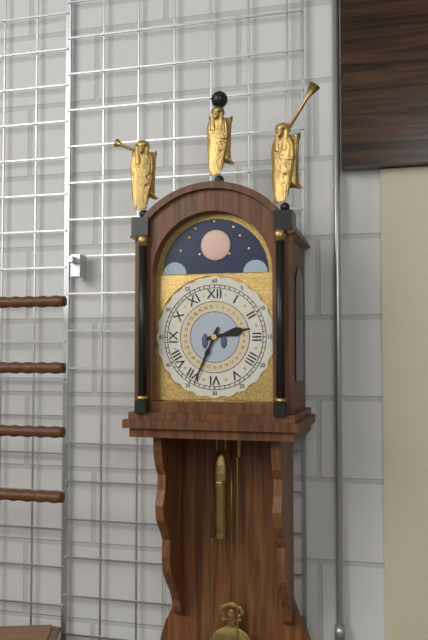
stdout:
2,34
